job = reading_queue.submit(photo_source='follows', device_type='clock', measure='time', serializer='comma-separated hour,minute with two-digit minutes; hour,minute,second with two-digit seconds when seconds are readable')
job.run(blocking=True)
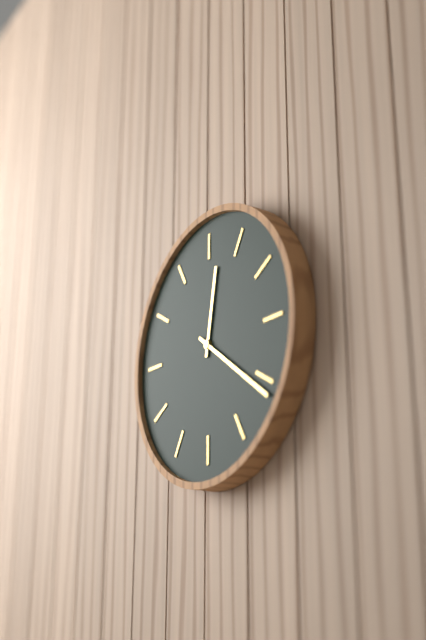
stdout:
12,21
